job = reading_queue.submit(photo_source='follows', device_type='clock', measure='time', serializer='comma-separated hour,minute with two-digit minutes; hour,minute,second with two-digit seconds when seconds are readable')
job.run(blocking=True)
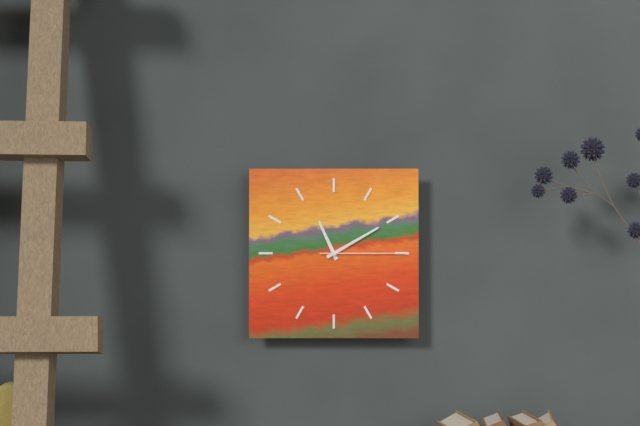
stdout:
11,10,15
